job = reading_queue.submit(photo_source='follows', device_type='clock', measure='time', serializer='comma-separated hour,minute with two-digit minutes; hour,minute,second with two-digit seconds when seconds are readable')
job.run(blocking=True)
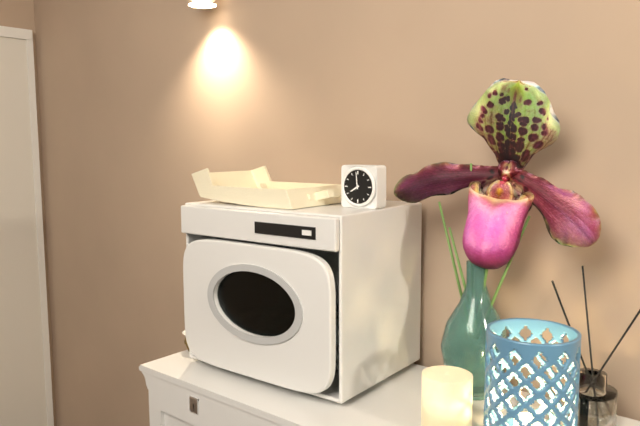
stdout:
7,59
